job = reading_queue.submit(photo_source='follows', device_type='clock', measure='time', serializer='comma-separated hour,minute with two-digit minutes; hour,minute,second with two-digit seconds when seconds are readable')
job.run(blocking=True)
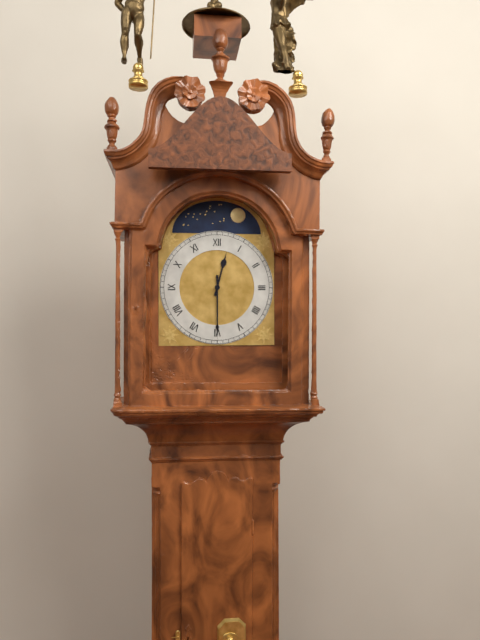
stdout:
12,30
